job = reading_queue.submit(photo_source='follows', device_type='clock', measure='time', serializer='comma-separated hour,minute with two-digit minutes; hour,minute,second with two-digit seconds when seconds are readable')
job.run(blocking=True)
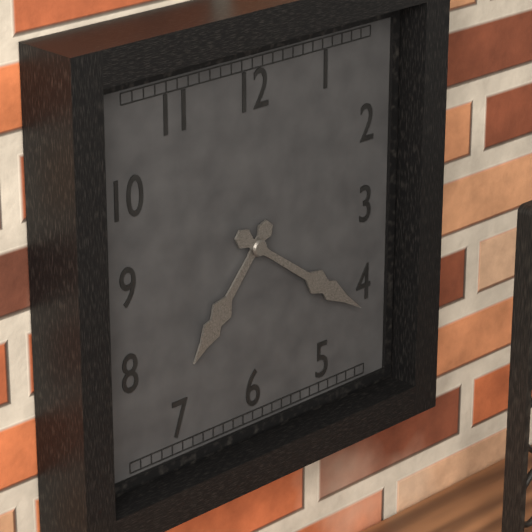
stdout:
7,21
